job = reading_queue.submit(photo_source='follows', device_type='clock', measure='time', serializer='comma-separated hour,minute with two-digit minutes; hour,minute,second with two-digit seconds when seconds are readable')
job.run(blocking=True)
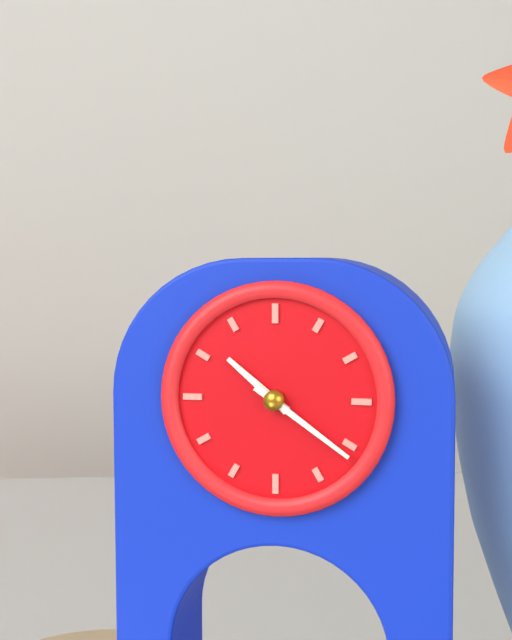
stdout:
10,21
